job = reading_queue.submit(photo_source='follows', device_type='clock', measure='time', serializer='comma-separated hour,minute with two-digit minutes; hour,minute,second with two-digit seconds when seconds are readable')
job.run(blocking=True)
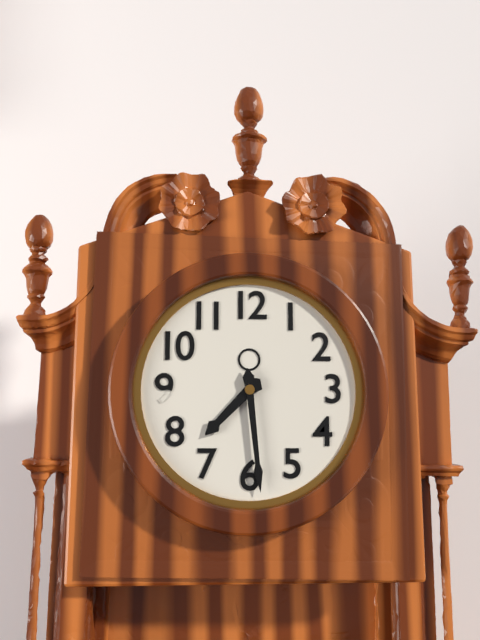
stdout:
7,29
